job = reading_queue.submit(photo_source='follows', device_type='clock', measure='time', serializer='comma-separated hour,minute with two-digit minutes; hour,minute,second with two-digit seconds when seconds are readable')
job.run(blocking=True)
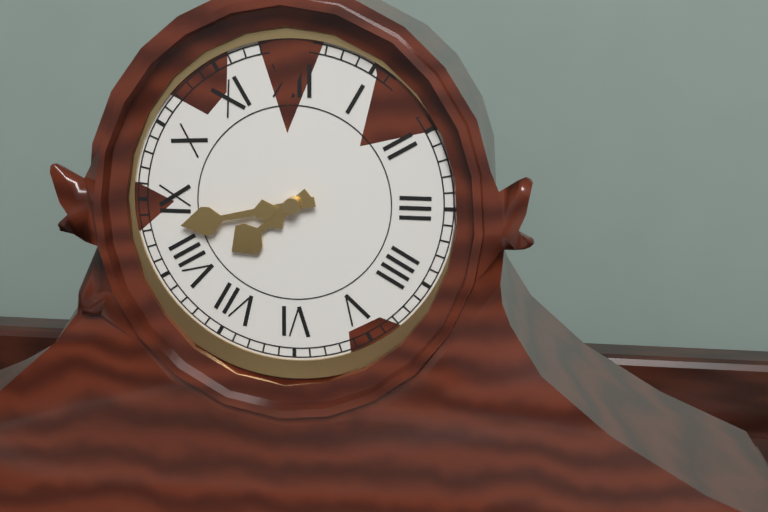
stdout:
7,43
